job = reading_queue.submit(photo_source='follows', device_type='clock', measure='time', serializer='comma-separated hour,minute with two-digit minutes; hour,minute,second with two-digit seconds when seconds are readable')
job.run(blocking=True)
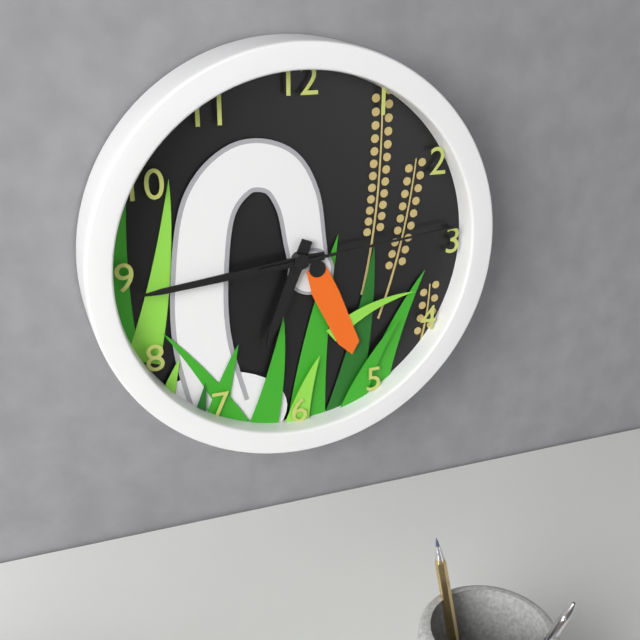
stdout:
6,44,14
